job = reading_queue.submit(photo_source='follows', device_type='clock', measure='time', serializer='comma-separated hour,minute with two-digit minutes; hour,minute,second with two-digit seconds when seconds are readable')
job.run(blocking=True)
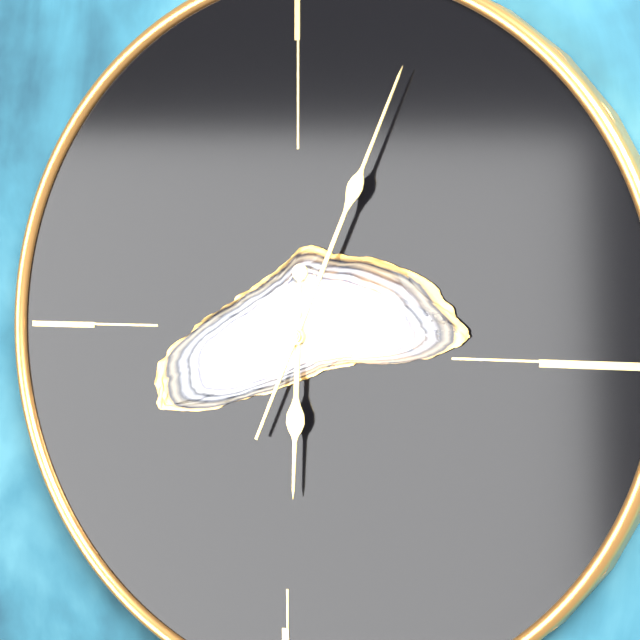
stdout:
6,04
